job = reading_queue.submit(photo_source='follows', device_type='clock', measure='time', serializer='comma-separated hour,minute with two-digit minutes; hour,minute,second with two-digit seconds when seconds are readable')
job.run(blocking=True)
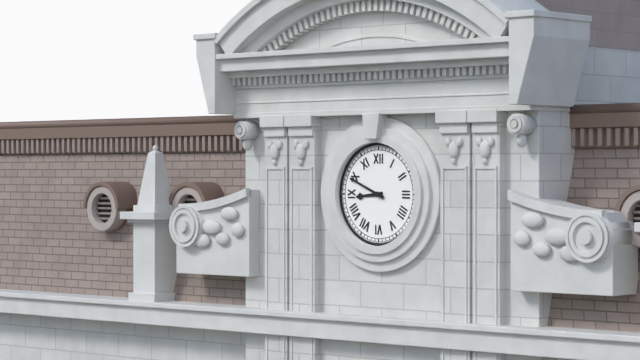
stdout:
8,49
